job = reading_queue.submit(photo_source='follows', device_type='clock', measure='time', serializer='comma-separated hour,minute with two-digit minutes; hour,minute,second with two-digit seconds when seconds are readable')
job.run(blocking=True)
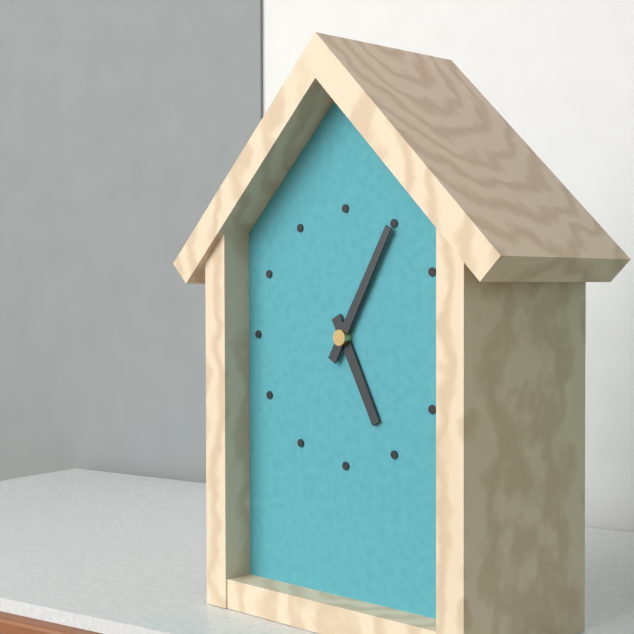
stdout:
5,05
